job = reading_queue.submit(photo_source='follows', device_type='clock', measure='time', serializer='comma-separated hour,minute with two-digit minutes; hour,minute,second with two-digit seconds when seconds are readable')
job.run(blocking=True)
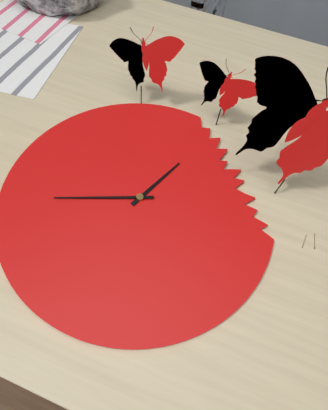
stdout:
12,41
